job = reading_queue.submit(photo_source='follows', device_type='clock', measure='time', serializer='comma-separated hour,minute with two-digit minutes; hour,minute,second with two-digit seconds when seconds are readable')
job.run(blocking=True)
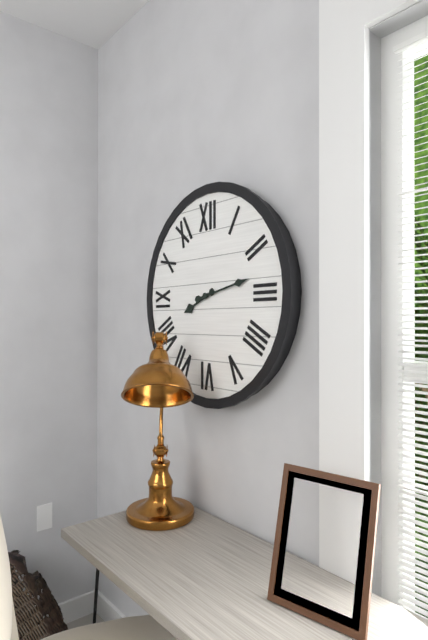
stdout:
8,13
